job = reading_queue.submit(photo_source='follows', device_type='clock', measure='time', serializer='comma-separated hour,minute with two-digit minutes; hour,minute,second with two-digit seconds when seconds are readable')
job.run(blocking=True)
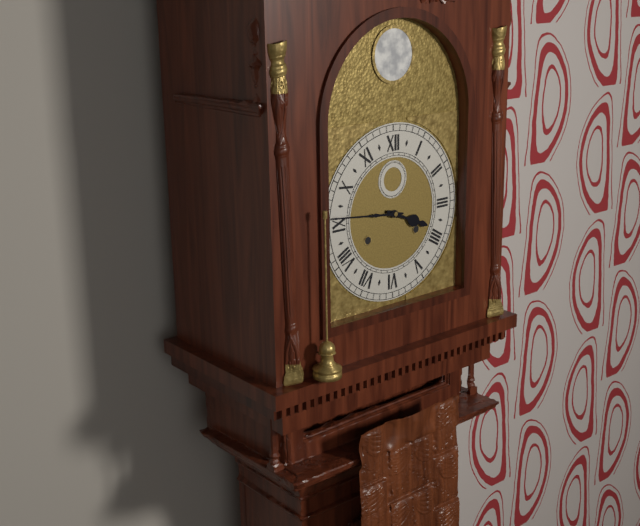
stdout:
3,46
